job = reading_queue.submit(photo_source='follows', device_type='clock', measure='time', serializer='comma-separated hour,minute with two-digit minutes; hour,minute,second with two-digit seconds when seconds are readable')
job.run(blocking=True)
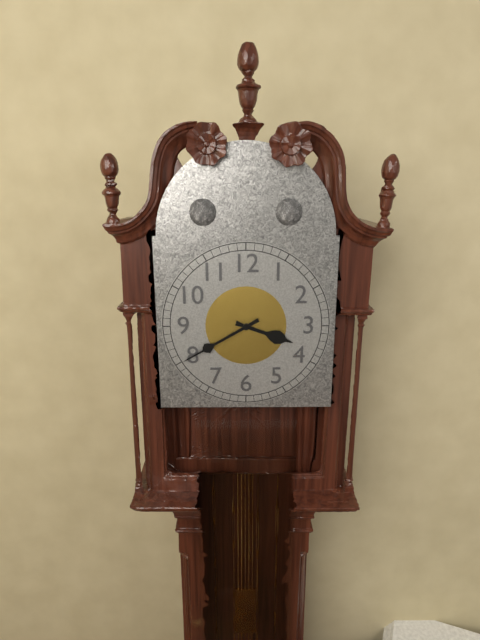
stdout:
3,40
